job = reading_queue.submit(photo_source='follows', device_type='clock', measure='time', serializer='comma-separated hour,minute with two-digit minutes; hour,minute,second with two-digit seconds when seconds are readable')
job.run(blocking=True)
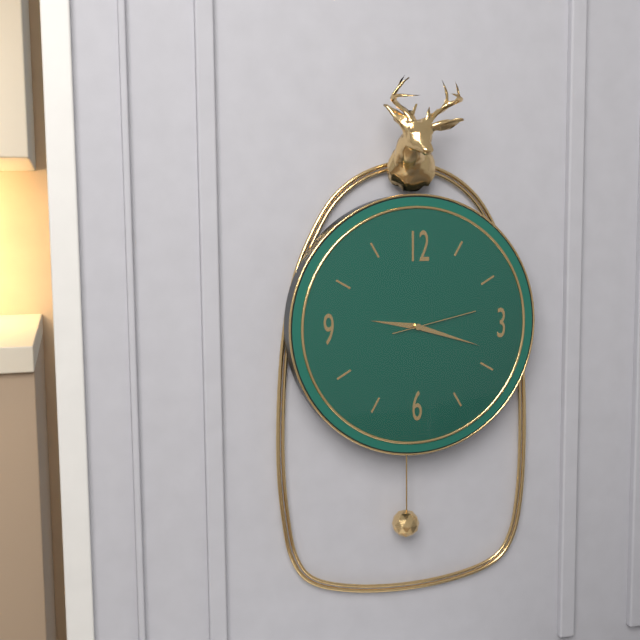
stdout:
9,18,13
